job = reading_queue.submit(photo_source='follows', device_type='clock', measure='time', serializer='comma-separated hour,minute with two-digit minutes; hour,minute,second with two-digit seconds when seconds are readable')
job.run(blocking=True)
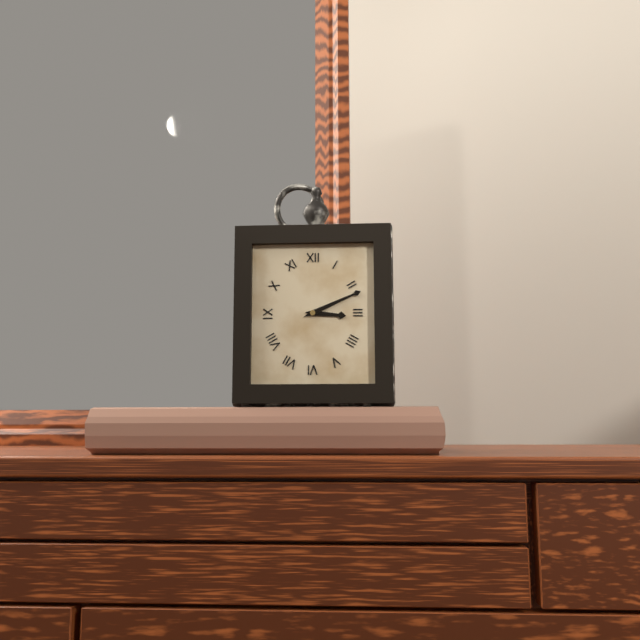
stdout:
3,11
